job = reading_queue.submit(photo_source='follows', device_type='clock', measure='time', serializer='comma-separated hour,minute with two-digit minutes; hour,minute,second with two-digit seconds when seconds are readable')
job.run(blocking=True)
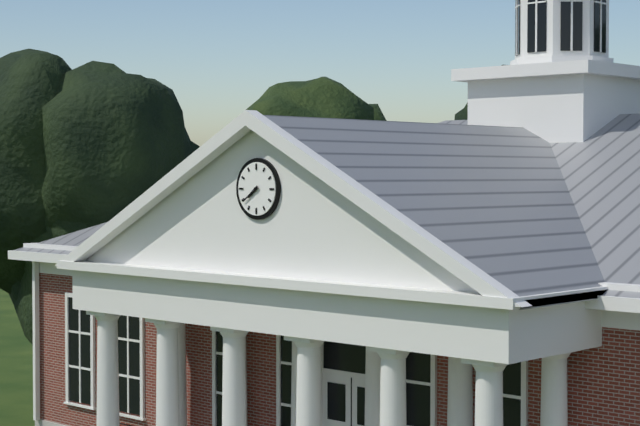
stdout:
7,39
